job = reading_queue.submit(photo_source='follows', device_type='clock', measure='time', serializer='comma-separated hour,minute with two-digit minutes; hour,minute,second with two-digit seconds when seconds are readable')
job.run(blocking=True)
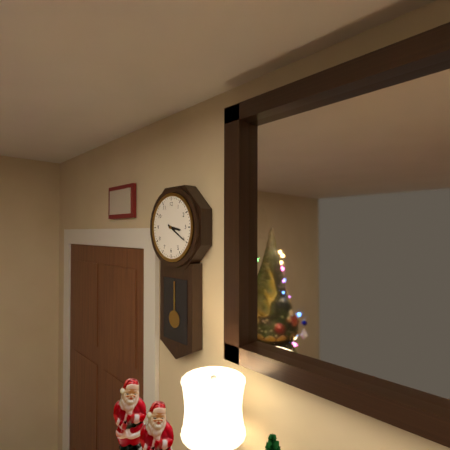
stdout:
3,20
